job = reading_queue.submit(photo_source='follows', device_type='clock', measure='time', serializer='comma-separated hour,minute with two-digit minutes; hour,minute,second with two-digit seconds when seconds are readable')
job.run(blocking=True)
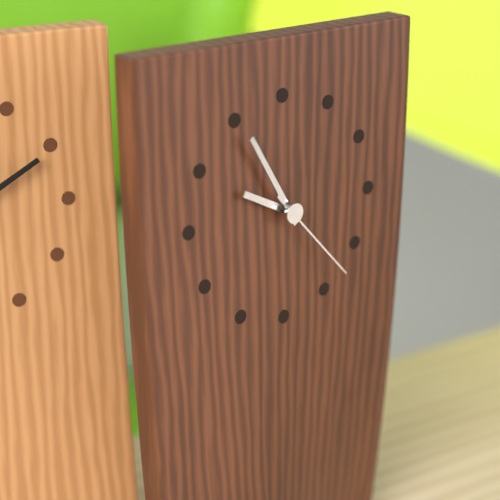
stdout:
9,55,23
